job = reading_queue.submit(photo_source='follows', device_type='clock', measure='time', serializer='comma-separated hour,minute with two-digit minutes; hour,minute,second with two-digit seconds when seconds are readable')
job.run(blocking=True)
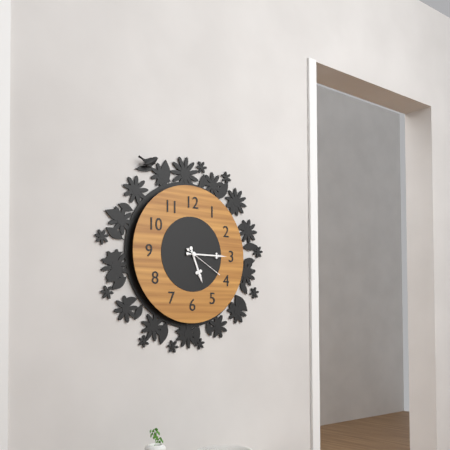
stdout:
5,15
